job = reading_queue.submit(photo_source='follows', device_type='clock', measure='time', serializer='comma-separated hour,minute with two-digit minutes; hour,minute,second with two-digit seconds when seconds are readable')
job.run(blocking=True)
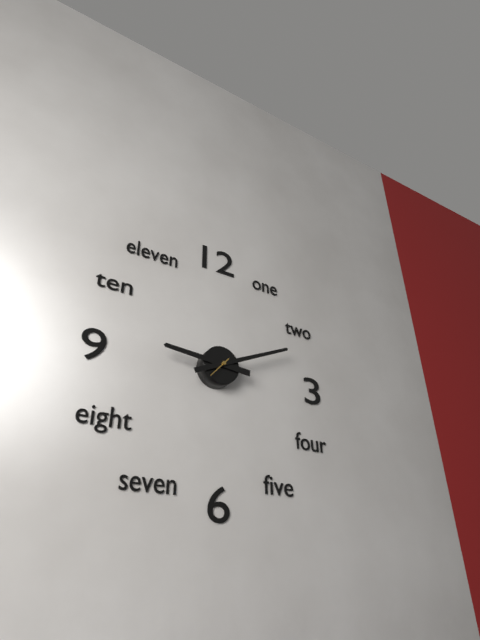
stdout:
9,11
